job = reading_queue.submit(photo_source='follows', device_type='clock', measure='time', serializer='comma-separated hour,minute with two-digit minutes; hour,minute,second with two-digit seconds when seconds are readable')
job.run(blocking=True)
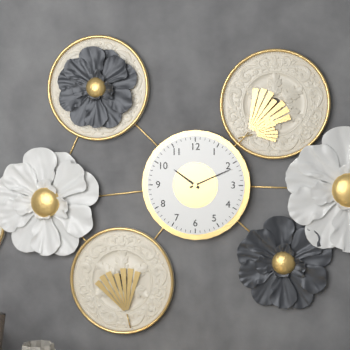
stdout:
10,11
